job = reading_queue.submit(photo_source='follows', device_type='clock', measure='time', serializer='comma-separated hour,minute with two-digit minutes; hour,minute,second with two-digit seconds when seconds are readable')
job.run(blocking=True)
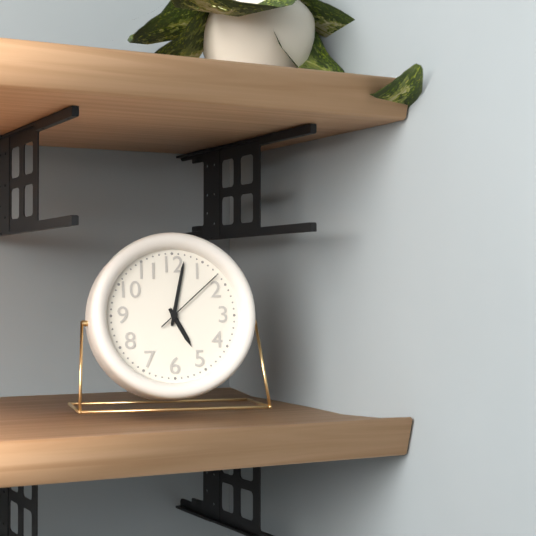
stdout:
5,02,08
